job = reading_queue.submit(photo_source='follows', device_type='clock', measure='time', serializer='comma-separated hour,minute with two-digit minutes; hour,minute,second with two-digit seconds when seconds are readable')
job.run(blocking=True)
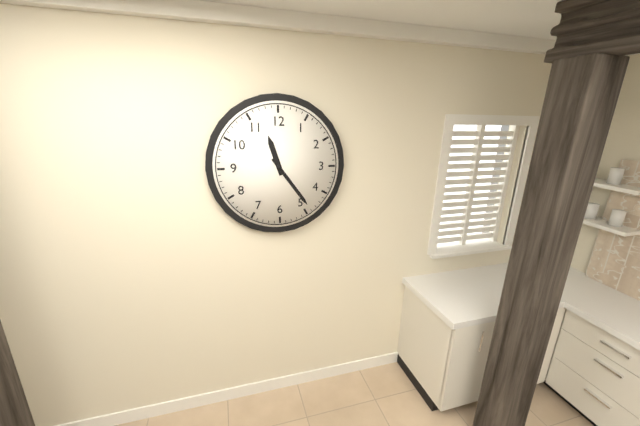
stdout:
11,24
